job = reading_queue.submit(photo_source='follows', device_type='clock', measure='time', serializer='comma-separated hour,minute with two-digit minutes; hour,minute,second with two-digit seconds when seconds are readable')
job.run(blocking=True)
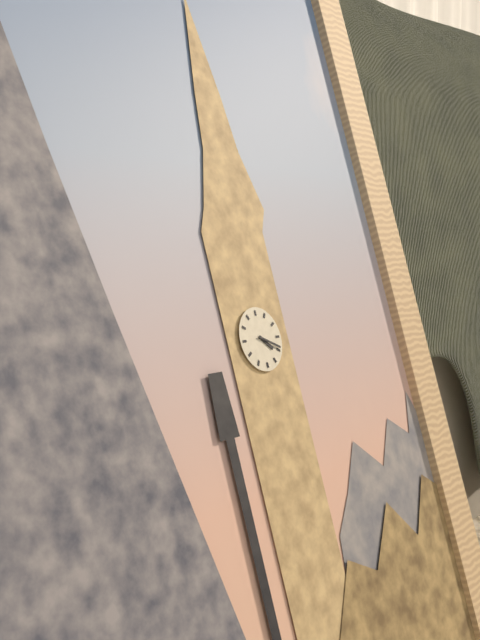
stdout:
4,19
